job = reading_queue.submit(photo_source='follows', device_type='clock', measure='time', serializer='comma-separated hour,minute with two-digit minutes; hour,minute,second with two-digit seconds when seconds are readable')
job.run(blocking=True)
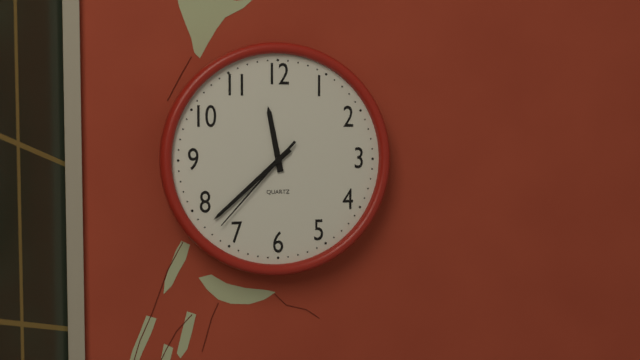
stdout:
11,38,37
